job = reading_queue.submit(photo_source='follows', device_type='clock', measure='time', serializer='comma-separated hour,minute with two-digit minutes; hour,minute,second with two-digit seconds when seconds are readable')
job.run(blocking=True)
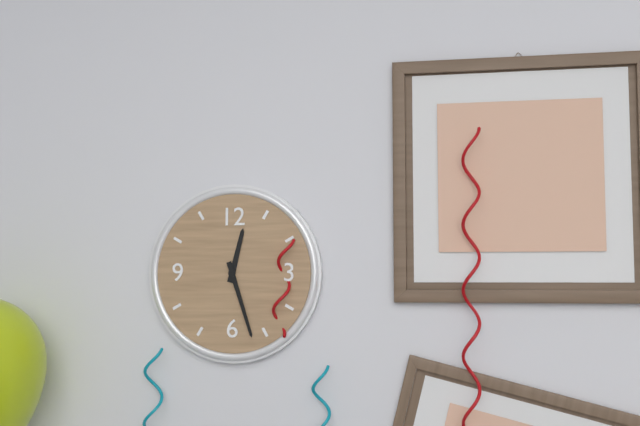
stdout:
12,27
